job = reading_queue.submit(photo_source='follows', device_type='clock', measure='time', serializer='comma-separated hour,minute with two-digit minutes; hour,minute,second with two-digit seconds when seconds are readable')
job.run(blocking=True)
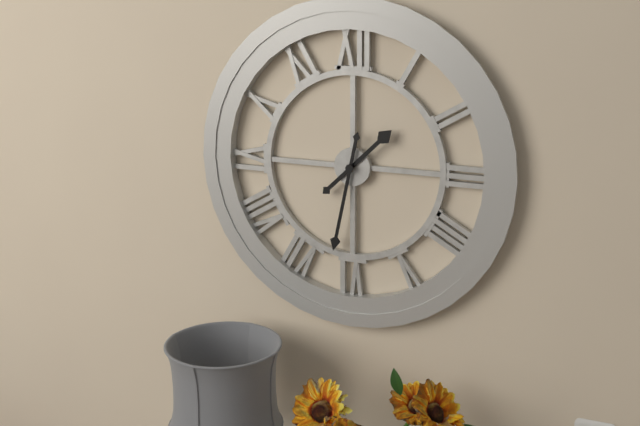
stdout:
1,32
